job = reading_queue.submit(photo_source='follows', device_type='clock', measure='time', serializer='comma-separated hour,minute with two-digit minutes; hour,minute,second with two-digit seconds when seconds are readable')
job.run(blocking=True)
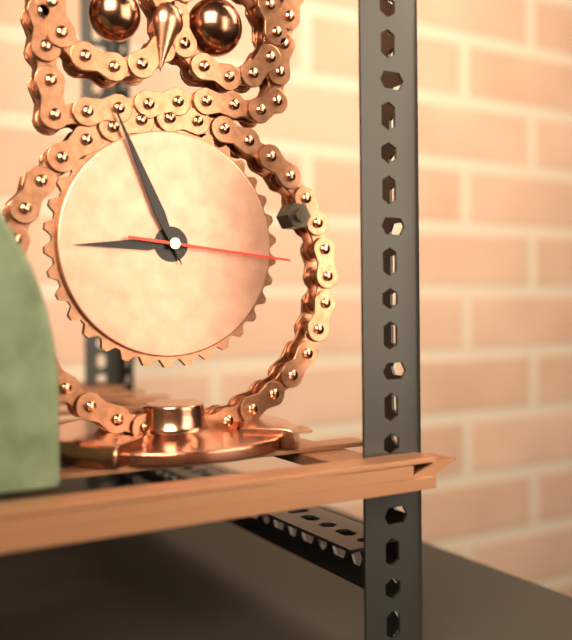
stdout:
8,56,16
